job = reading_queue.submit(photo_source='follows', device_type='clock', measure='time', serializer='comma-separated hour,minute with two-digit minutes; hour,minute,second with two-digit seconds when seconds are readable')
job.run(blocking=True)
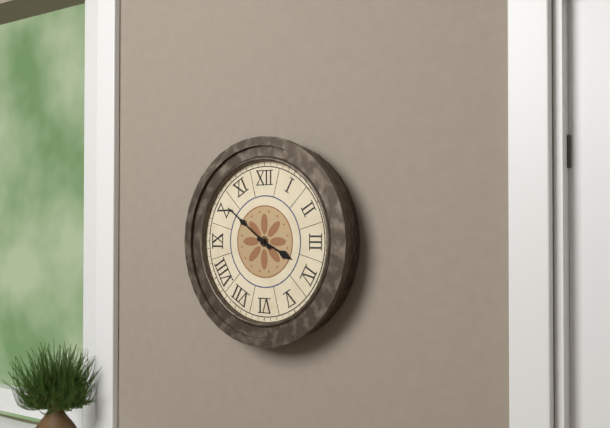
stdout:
3,51
